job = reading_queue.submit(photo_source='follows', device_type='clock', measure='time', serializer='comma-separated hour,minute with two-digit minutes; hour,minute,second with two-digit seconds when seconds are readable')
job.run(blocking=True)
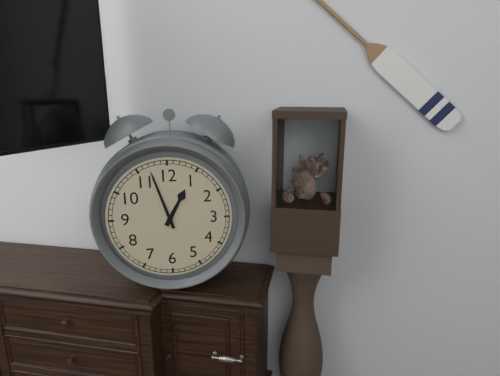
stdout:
12,57
